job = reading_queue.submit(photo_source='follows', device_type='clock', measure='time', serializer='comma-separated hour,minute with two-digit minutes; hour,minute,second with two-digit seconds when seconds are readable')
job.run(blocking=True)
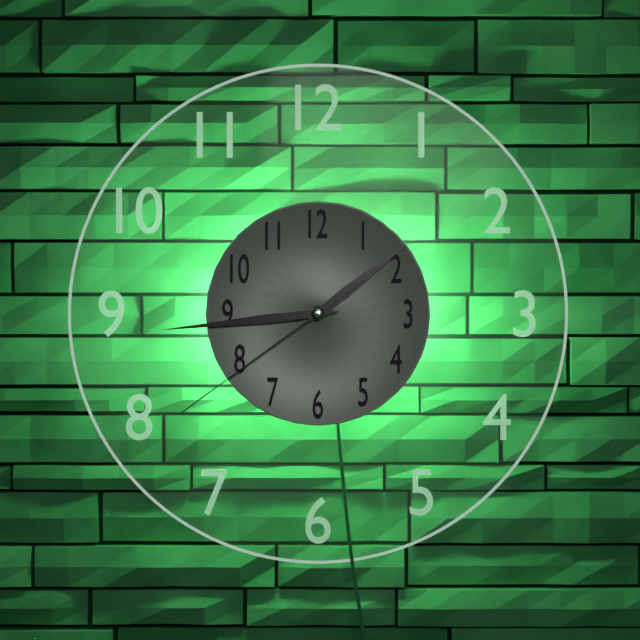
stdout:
1,44,39
